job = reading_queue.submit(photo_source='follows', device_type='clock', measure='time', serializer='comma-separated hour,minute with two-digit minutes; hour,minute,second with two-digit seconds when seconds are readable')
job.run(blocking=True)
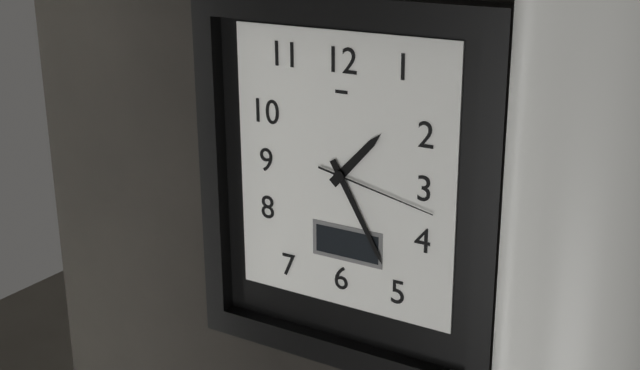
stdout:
1,25,17
